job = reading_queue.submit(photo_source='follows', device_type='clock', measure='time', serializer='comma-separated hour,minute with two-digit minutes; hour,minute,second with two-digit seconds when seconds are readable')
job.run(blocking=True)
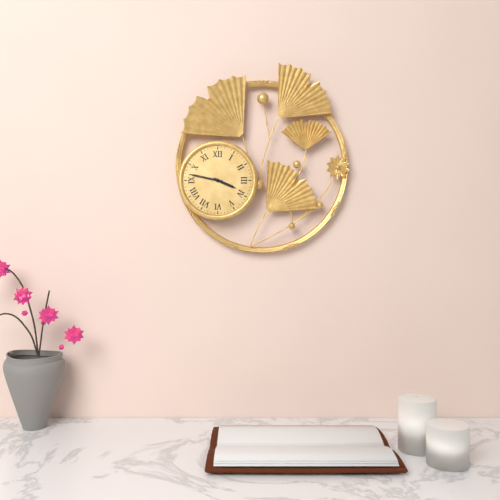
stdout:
3,47
